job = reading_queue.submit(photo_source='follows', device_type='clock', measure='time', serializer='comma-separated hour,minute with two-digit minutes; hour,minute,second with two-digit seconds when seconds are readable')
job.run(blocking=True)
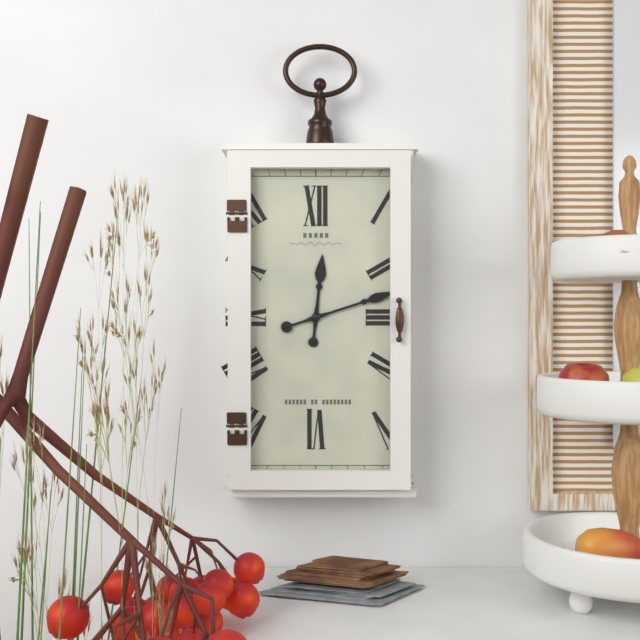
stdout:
12,12
